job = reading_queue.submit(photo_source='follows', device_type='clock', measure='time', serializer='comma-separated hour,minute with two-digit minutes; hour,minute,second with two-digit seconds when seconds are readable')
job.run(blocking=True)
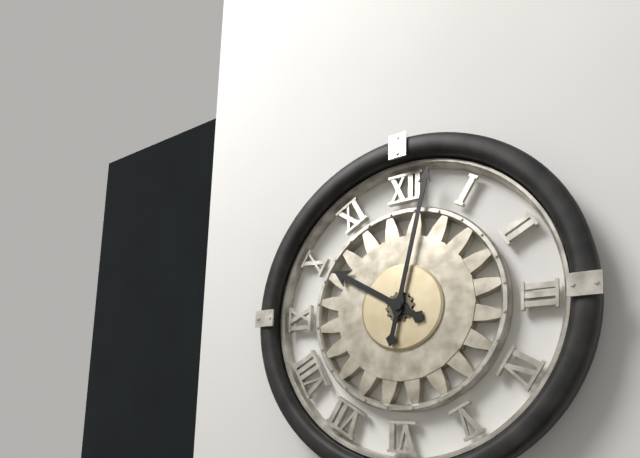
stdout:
10,02
